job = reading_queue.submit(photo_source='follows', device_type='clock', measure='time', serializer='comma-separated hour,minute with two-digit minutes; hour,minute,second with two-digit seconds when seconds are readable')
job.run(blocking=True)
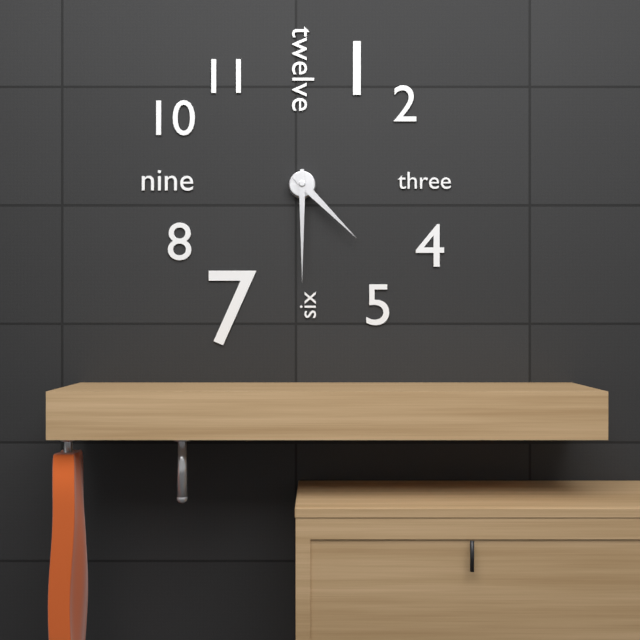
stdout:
4,30
